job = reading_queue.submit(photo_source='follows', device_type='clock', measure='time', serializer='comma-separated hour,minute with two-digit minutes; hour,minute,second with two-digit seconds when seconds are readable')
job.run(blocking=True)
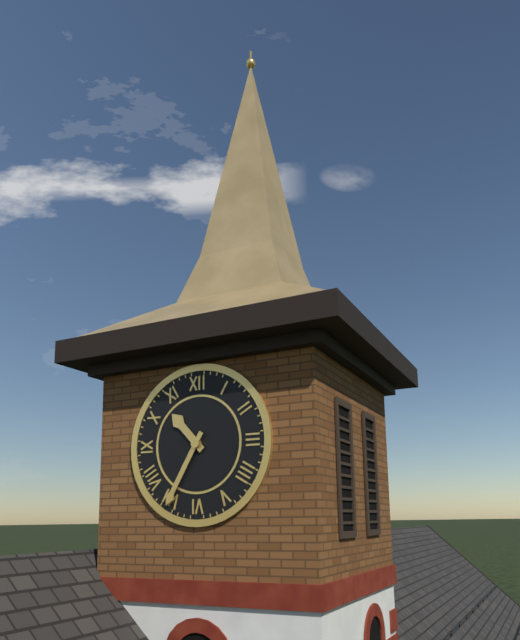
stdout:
10,35
